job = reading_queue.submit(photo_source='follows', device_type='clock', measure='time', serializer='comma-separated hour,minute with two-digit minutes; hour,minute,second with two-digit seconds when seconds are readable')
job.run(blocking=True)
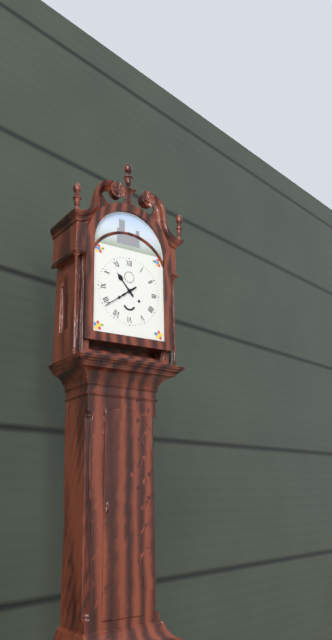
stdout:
10,39
